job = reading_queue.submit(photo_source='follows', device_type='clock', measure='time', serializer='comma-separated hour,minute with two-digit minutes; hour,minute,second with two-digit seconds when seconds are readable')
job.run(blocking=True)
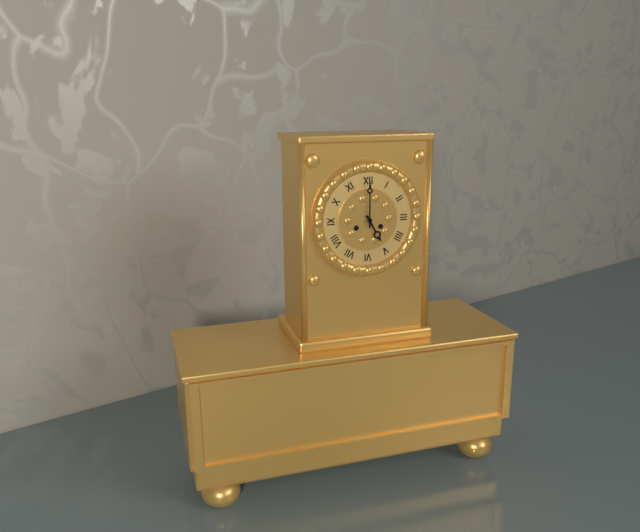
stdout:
5,00
